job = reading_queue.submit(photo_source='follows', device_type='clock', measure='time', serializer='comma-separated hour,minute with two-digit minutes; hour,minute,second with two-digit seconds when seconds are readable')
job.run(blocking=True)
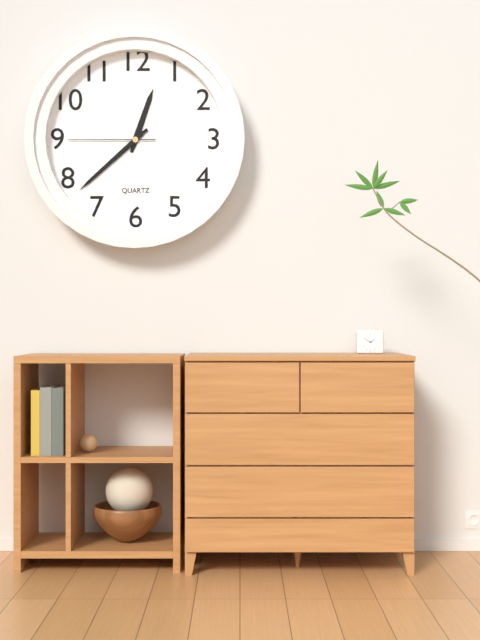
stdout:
12,38,45
